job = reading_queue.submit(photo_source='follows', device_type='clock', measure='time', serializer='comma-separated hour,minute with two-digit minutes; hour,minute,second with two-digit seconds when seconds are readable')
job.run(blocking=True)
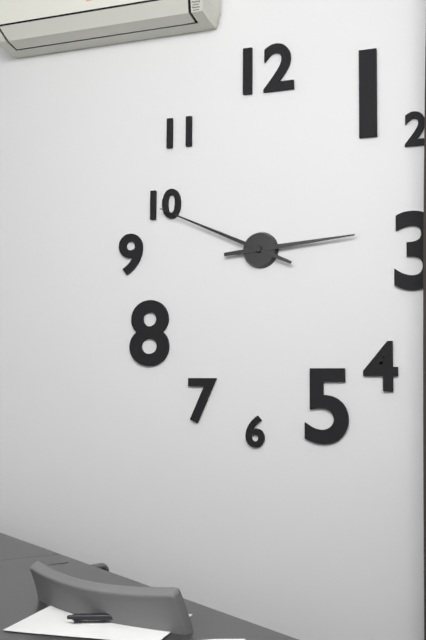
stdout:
2,49
